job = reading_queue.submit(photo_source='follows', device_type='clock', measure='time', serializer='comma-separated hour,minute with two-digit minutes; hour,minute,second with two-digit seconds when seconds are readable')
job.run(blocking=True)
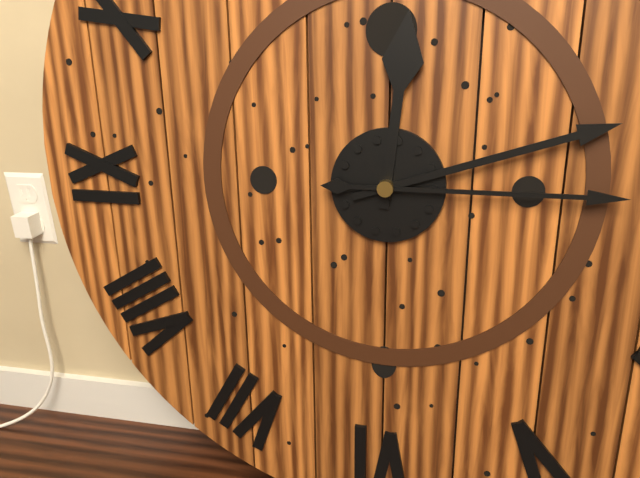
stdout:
12,12,15
